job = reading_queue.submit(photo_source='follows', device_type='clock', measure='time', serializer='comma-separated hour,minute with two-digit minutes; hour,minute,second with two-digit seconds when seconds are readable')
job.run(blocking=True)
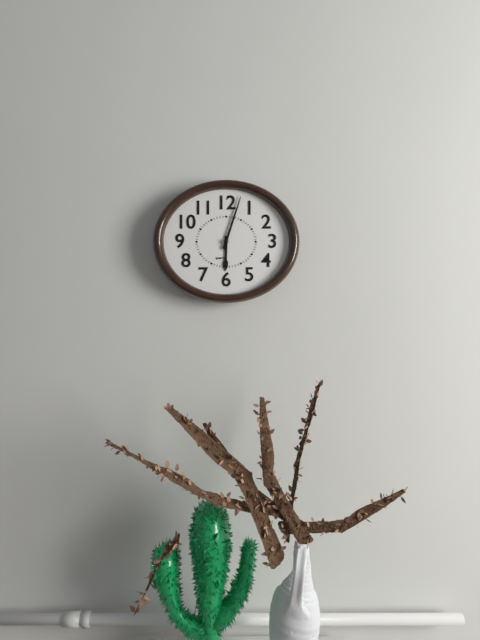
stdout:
6,03
